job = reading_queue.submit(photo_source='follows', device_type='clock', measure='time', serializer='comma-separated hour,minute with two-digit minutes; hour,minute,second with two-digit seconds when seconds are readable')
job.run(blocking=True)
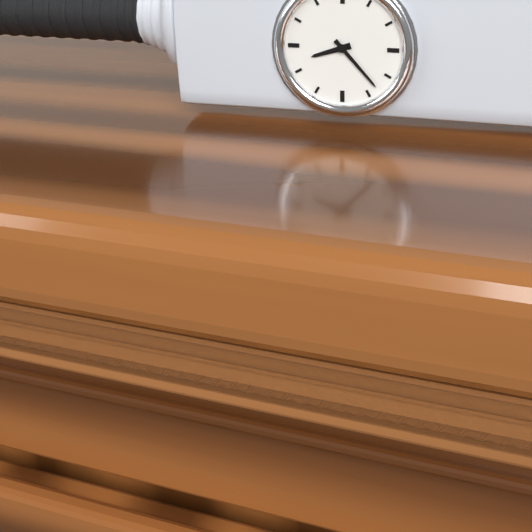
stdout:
8,23
